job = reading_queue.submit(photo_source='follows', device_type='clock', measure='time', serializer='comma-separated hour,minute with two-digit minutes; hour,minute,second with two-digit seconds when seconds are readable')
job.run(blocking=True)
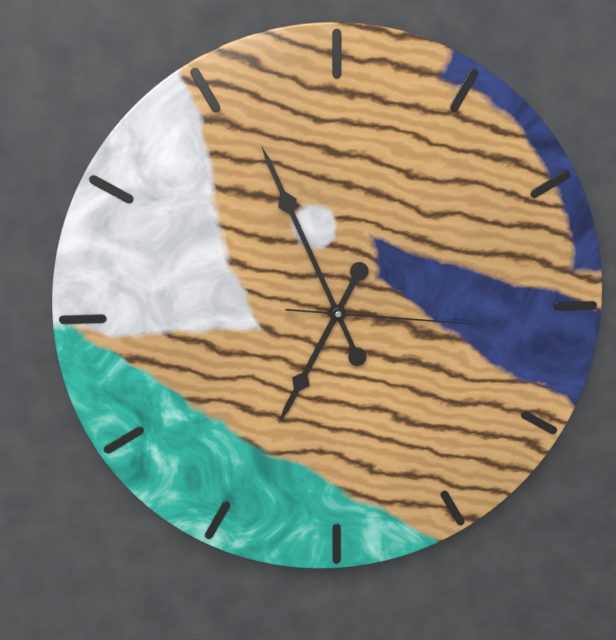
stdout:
6,56,16
